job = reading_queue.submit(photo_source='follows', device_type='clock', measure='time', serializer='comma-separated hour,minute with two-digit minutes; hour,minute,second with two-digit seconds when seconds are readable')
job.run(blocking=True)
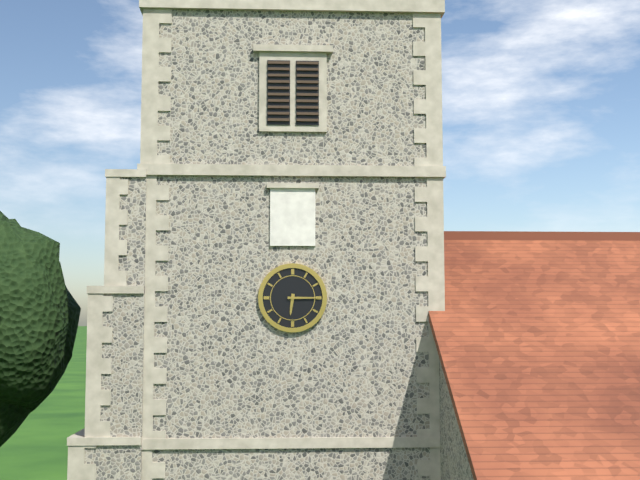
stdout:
6,15
